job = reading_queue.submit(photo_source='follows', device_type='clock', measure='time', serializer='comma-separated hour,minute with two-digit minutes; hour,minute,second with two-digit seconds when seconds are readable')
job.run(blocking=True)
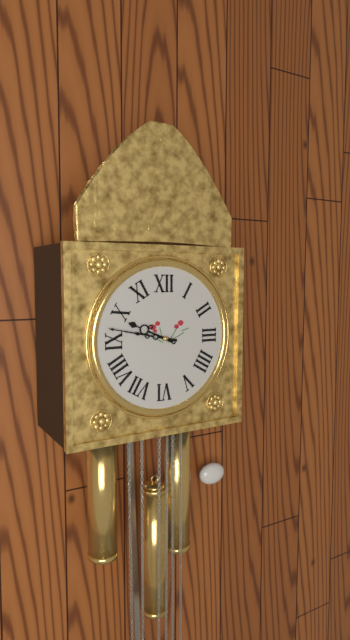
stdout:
9,47
